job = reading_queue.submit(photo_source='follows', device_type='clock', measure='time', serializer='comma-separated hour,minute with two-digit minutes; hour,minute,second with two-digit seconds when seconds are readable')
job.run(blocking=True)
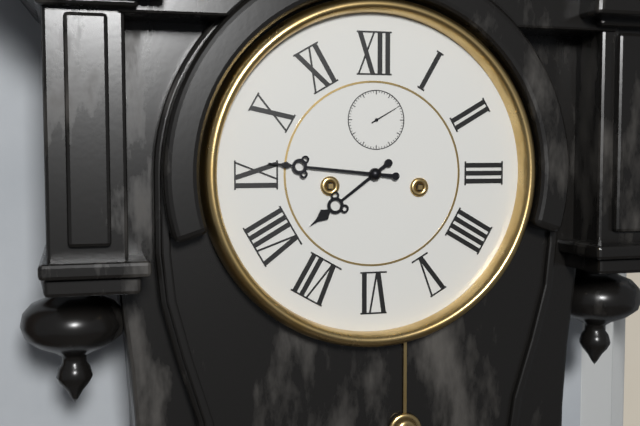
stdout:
7,46
